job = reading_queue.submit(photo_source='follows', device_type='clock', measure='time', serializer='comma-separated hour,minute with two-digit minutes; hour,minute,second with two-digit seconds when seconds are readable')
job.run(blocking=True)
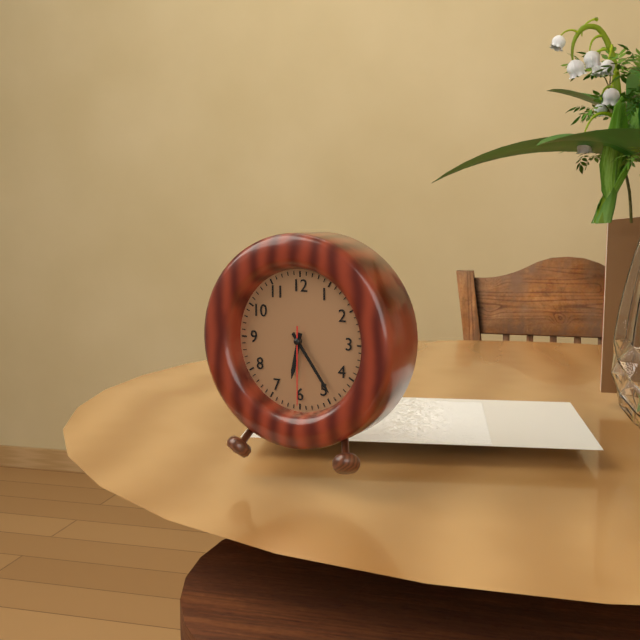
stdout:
6,24,30
